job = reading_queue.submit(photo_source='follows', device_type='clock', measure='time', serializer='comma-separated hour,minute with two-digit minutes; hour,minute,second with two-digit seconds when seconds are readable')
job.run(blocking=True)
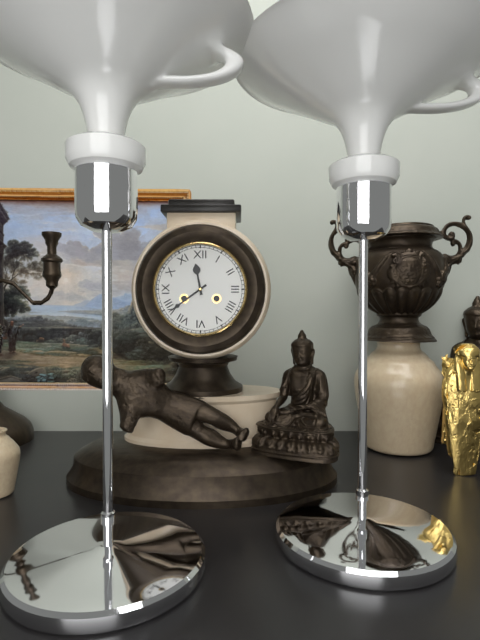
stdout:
11,39
